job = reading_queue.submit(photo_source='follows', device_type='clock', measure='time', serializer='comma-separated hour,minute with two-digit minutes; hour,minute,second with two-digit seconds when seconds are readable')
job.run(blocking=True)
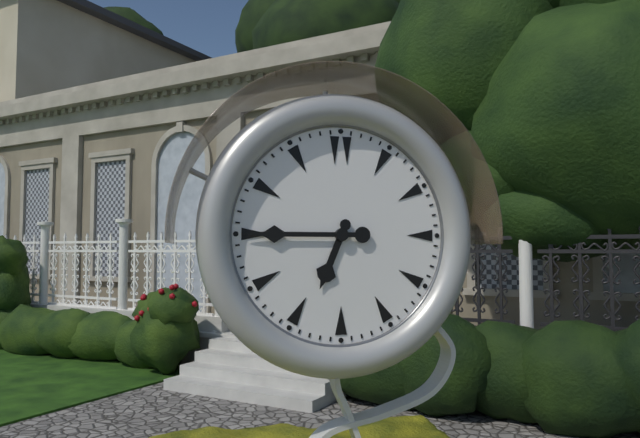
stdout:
6,45
